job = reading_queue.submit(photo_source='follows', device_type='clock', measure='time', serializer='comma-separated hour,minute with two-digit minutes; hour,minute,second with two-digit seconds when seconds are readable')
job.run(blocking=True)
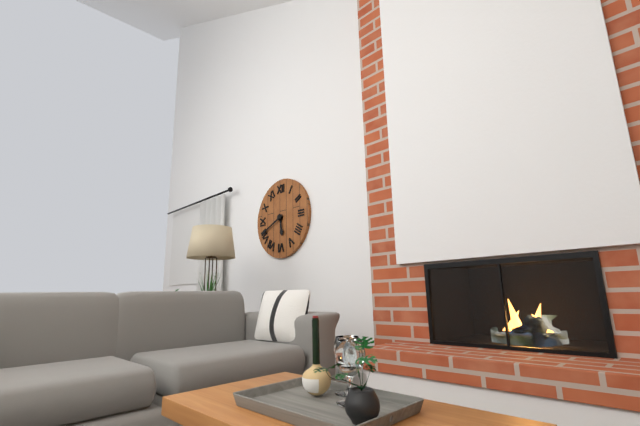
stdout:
5,41
